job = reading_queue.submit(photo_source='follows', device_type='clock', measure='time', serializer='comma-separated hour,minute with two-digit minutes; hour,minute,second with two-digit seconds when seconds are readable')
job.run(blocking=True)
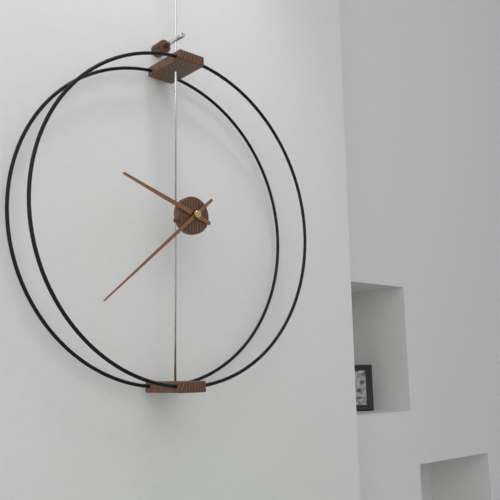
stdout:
9,38
